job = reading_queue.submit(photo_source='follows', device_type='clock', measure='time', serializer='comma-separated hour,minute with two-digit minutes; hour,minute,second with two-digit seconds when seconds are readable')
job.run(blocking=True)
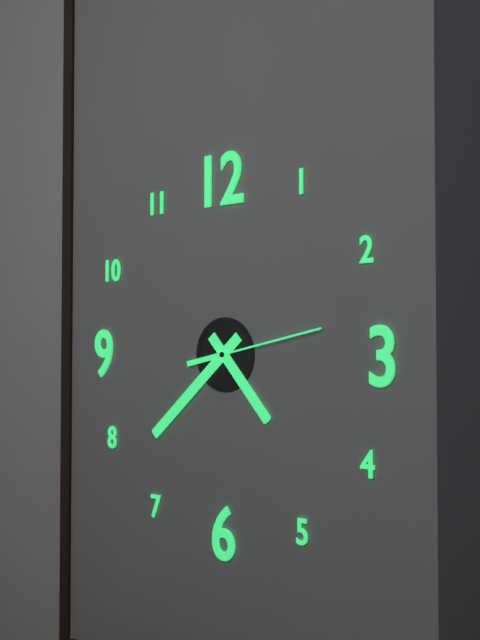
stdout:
4,38,13
